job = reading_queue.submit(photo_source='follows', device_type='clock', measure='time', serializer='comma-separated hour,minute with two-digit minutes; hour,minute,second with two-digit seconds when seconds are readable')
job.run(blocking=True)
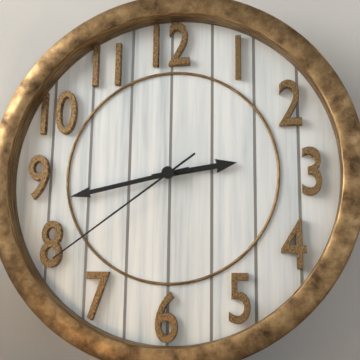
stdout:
2,43,39
